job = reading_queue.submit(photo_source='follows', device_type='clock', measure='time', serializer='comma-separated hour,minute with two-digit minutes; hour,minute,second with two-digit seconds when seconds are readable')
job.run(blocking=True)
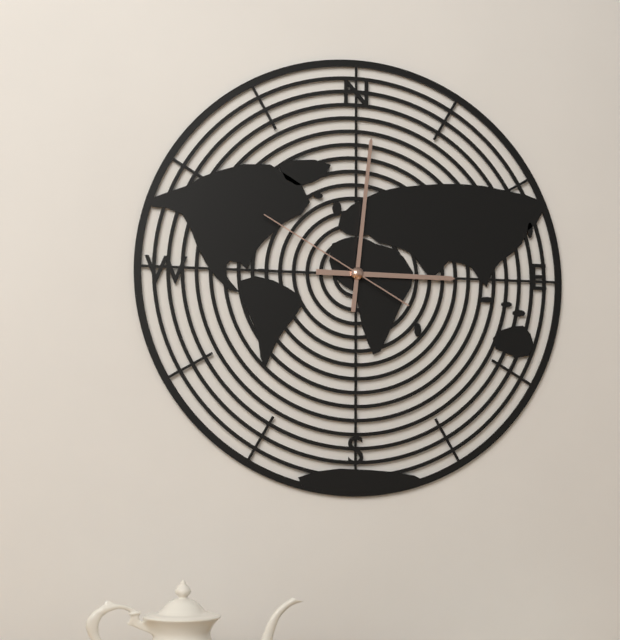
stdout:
3,01,50
